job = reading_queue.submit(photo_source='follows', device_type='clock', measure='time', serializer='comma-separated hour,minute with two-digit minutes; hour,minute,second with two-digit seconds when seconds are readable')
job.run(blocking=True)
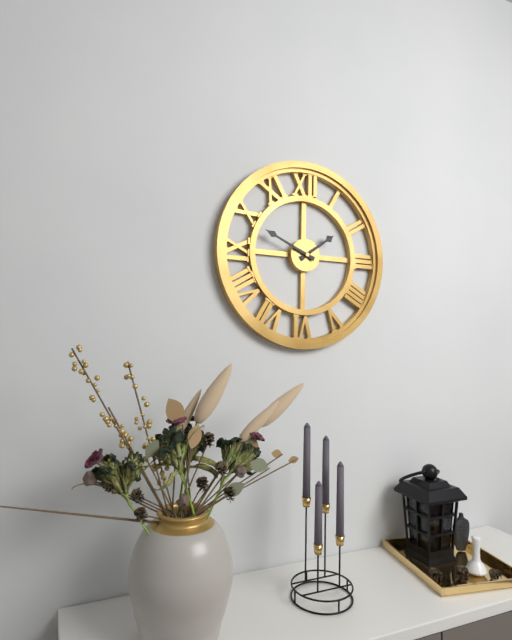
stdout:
1,49
